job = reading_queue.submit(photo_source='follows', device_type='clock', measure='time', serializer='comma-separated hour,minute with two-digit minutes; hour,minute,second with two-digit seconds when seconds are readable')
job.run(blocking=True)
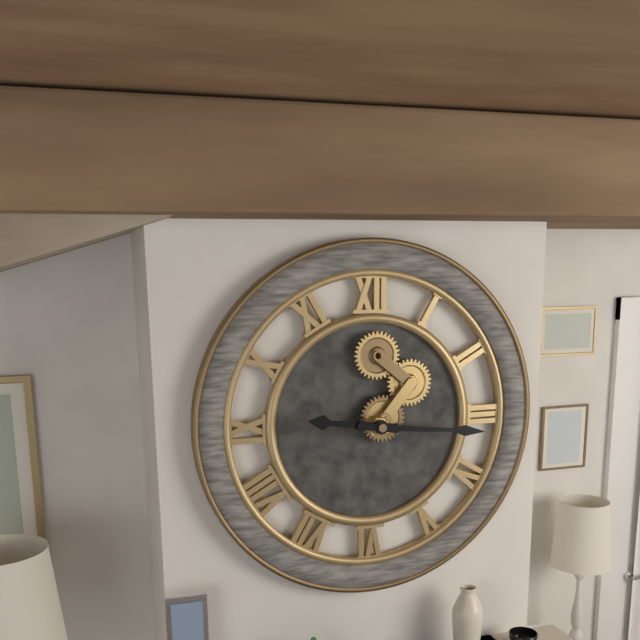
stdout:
9,16
